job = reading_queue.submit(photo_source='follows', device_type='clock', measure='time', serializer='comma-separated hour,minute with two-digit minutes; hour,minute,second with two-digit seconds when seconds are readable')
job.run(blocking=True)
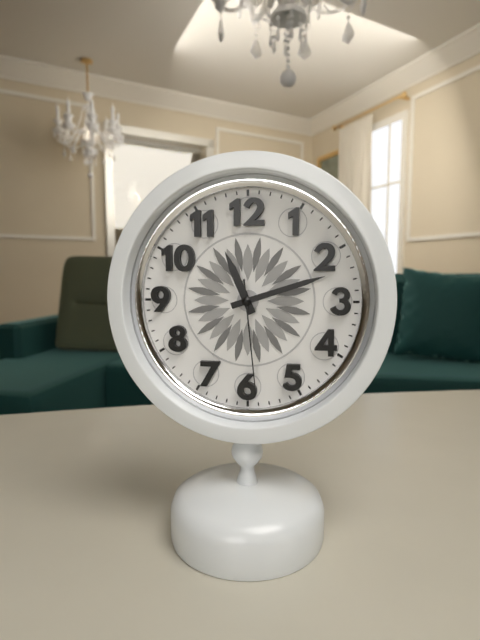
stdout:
11,12,29
